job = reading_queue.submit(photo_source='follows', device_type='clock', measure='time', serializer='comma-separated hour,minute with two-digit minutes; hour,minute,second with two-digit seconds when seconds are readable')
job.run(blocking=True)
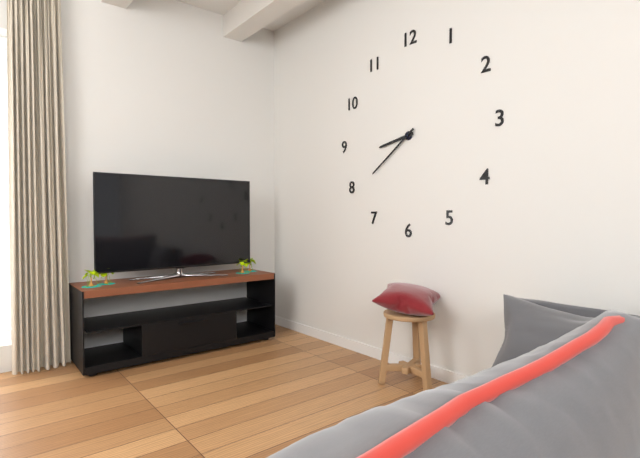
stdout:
8,39
